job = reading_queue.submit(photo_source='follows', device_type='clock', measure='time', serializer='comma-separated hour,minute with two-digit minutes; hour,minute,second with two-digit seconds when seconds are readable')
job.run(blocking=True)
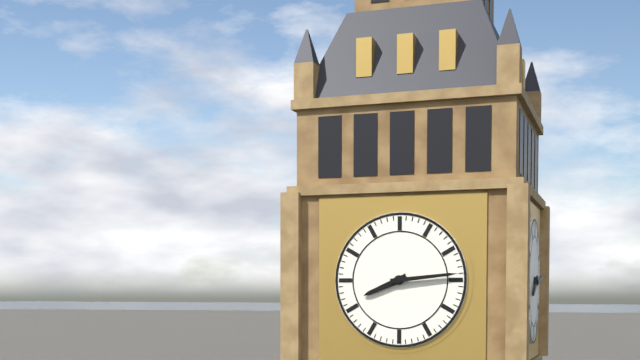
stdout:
8,14
